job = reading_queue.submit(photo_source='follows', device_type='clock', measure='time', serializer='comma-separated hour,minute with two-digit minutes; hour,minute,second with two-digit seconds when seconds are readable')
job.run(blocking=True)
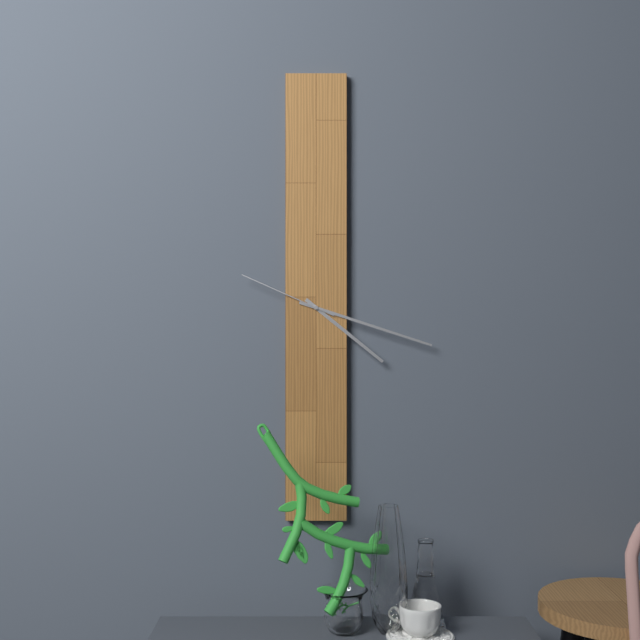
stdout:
4,18,49
